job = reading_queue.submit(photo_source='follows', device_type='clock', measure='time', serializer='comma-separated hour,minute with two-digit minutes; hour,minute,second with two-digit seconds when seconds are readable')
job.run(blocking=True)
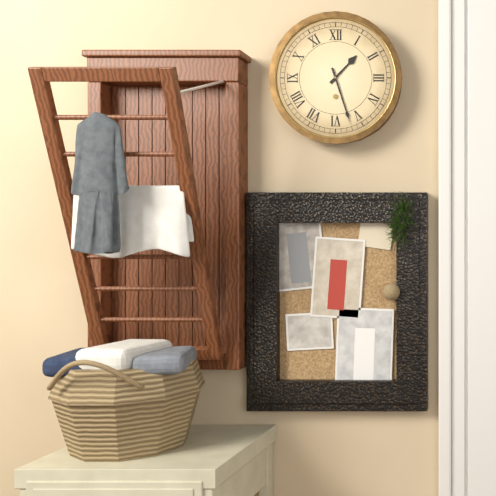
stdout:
1,27
